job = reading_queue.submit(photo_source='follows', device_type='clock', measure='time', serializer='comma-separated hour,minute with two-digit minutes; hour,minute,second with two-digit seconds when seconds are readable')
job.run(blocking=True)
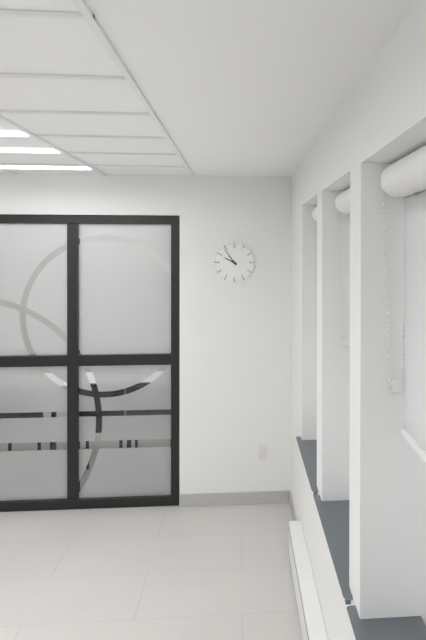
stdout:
9,54
